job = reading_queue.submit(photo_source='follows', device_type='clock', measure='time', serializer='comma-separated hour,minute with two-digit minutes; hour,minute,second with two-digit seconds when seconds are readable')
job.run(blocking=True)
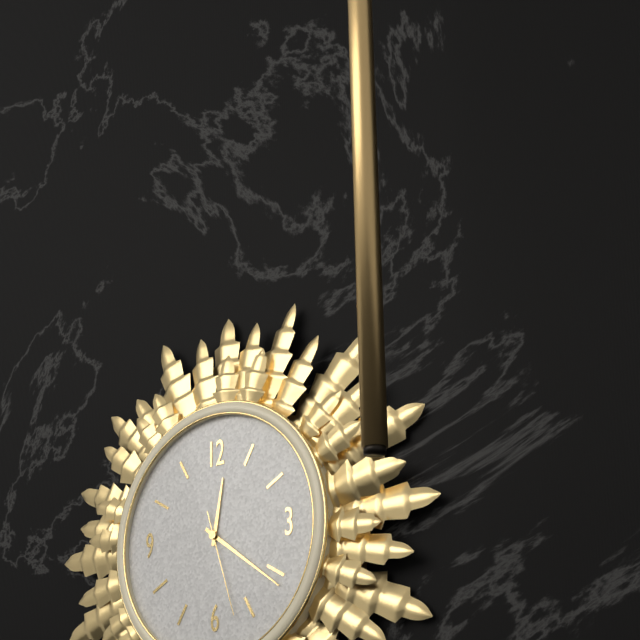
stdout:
12,21,27
